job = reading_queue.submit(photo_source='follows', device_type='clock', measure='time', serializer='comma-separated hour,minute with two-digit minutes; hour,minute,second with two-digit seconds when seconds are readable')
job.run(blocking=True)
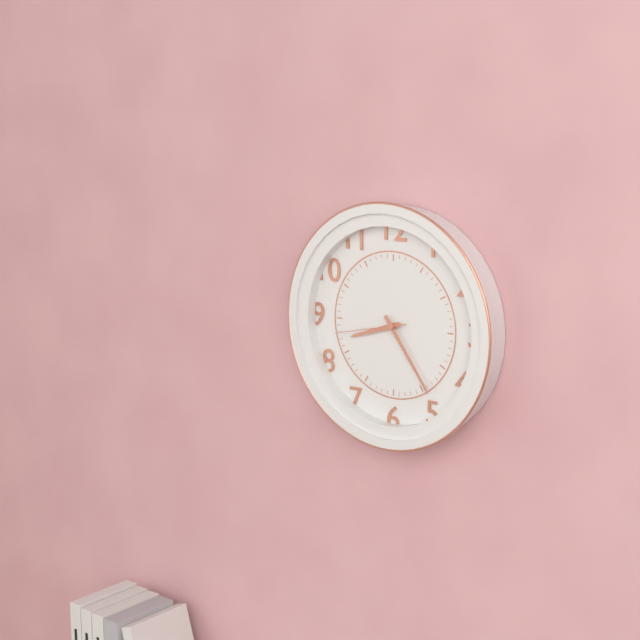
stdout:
8,24,43
